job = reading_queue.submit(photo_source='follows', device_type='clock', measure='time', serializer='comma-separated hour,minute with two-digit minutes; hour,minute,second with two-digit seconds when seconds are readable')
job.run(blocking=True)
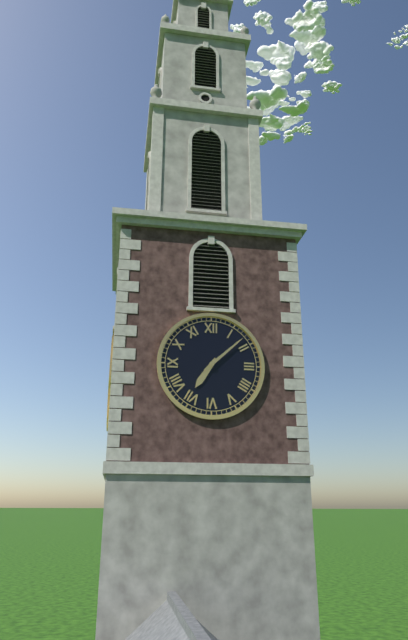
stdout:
7,08
